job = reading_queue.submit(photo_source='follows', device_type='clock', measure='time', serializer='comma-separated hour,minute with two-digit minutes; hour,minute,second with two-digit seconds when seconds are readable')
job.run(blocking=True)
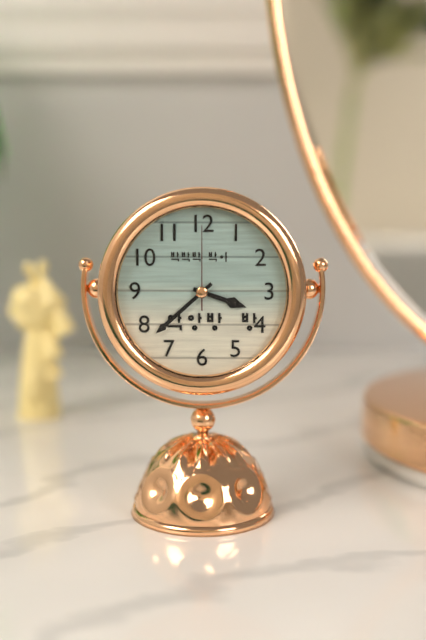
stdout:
3,38,00
